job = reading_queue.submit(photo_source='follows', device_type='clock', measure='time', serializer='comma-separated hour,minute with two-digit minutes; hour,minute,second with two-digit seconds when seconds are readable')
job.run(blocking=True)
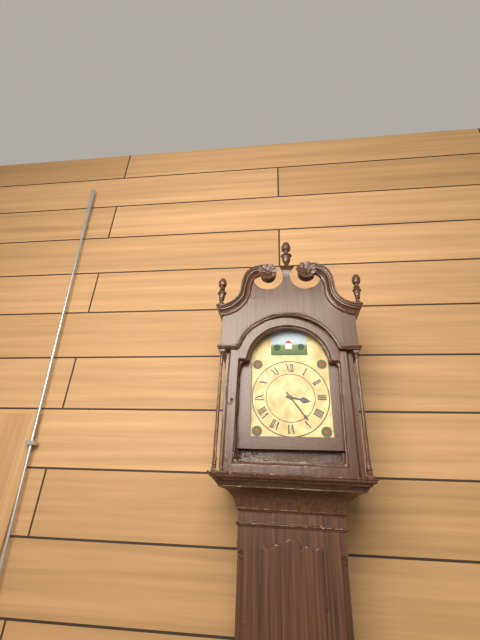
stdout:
3,24
